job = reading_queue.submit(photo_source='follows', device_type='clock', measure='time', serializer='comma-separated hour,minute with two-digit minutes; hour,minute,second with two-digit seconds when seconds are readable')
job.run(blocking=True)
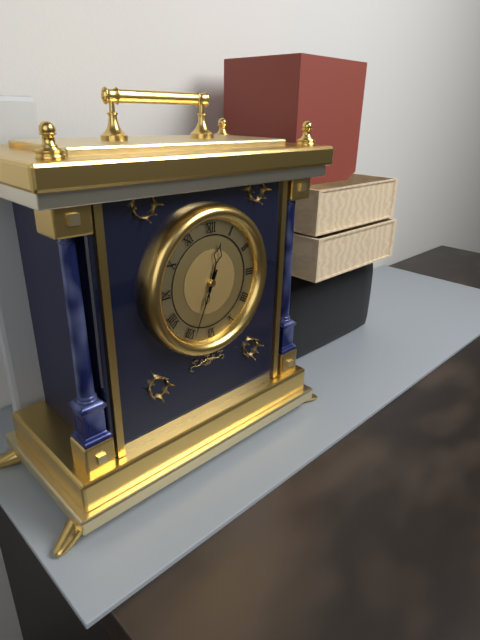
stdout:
12,34
